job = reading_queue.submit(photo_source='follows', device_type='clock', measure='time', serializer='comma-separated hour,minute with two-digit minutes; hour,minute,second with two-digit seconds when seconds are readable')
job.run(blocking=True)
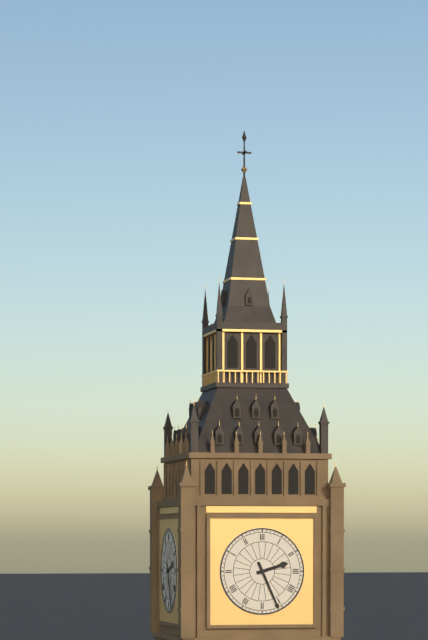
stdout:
2,26
